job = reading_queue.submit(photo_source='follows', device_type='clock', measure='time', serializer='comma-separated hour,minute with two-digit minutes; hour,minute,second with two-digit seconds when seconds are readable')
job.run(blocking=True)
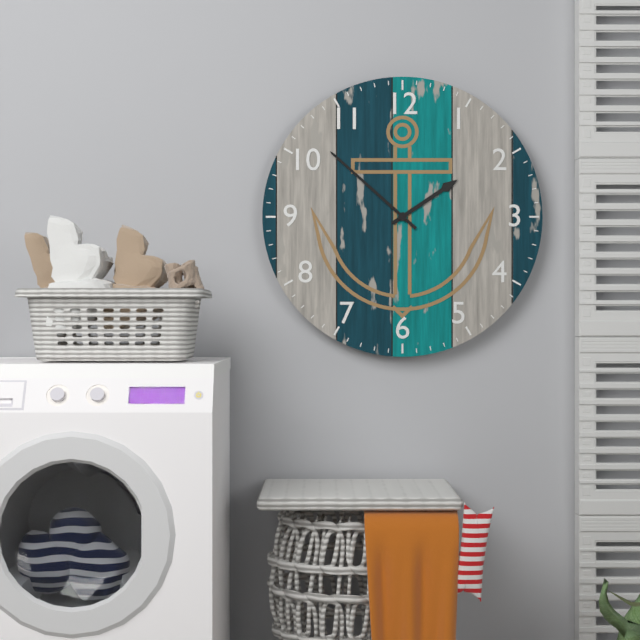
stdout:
1,52
